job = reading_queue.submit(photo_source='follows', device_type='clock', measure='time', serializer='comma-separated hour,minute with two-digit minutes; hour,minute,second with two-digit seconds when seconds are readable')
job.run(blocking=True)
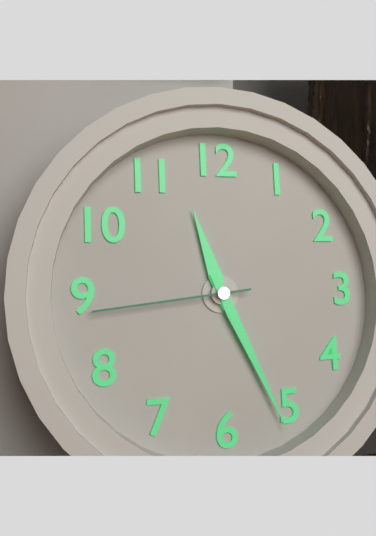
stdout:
11,26,44
